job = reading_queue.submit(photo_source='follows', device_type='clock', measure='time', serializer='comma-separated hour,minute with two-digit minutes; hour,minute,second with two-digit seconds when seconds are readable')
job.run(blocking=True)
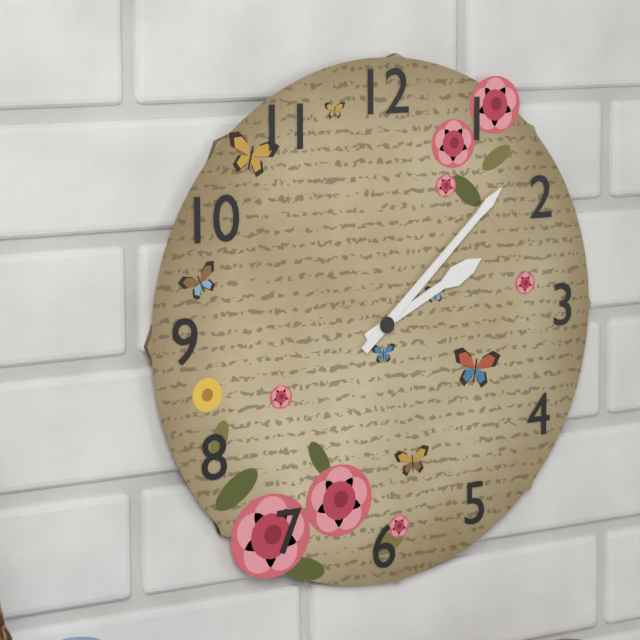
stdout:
2,08
